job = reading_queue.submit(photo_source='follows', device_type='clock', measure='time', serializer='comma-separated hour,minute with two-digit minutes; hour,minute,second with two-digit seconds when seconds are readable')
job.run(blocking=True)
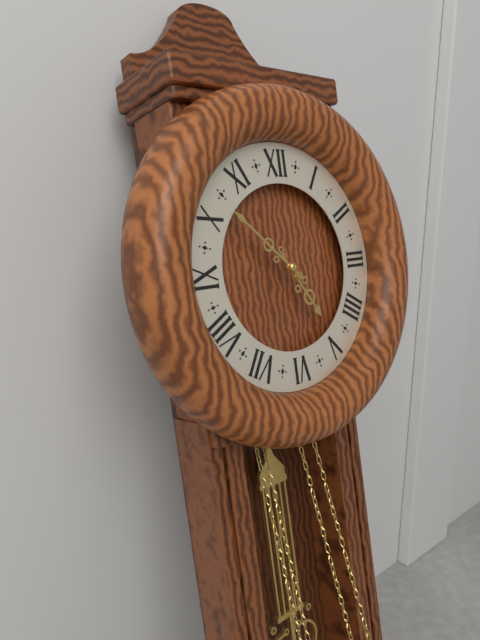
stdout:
4,52
